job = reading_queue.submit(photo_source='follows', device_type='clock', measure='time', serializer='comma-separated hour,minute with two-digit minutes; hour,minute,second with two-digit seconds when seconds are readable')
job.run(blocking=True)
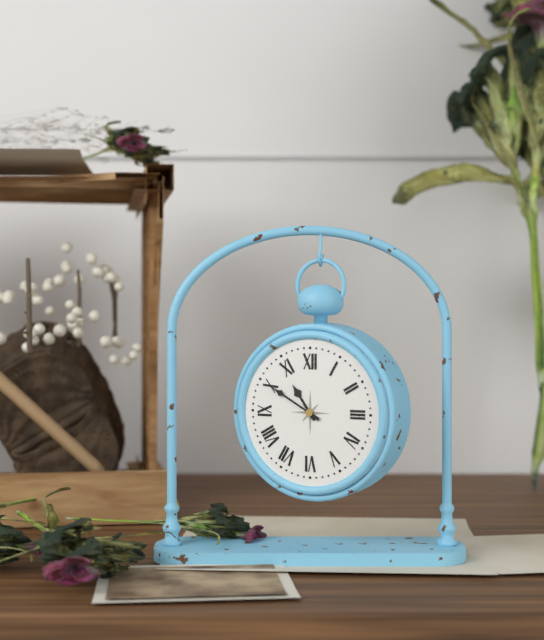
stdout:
10,50
